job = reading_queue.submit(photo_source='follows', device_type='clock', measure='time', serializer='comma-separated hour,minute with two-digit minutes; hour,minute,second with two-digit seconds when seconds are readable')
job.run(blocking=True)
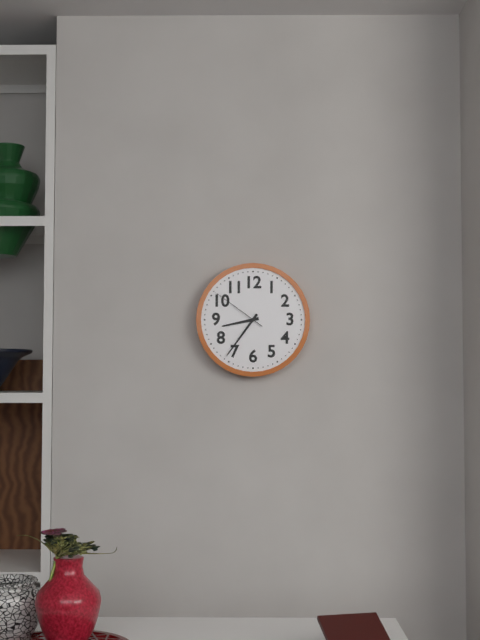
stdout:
8,36,51
